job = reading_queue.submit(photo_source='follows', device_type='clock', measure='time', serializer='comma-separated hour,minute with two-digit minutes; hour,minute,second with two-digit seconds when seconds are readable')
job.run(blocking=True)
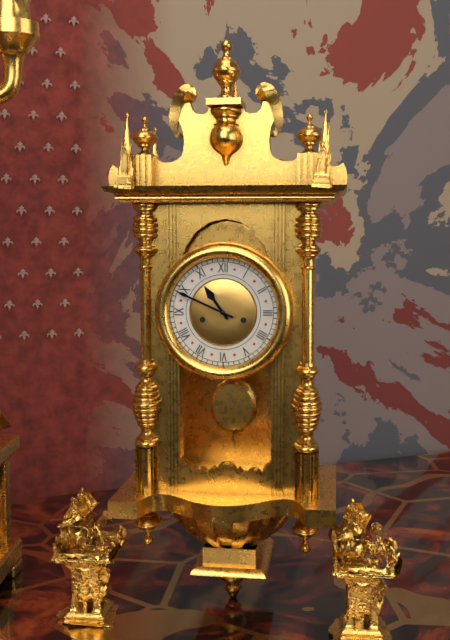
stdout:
10,49
